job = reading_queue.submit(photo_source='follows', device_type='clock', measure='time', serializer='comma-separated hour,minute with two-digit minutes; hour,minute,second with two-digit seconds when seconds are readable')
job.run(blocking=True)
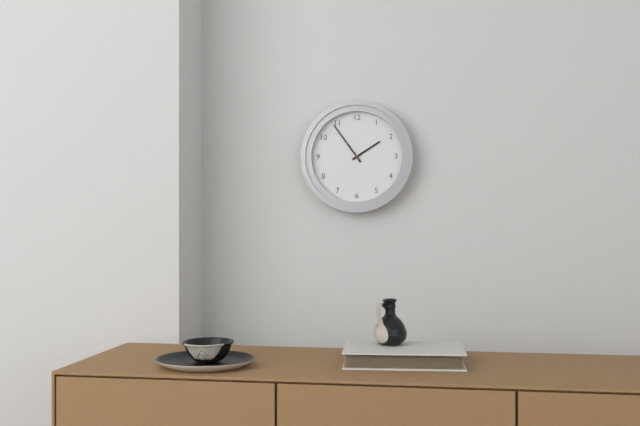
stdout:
1,54
